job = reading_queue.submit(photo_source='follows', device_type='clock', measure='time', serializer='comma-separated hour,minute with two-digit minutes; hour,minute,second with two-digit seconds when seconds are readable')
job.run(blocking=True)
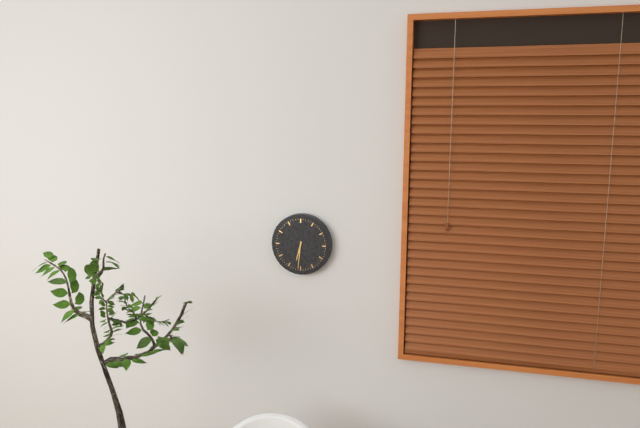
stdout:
6,31
